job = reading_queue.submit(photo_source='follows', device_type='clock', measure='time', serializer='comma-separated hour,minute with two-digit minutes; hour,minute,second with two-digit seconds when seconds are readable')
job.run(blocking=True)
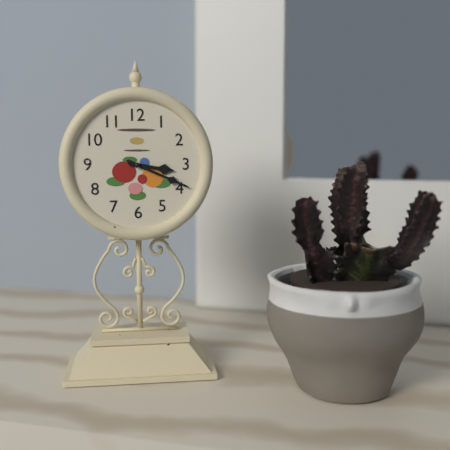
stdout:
3,19
